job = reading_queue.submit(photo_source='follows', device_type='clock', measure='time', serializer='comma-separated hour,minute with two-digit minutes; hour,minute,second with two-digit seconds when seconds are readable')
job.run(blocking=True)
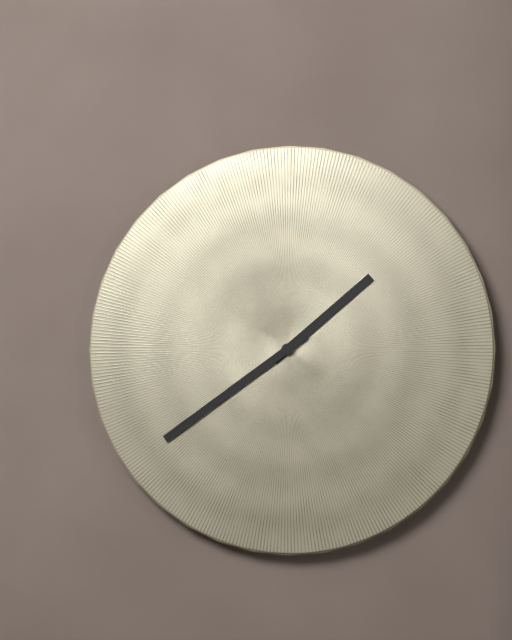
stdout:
1,39
